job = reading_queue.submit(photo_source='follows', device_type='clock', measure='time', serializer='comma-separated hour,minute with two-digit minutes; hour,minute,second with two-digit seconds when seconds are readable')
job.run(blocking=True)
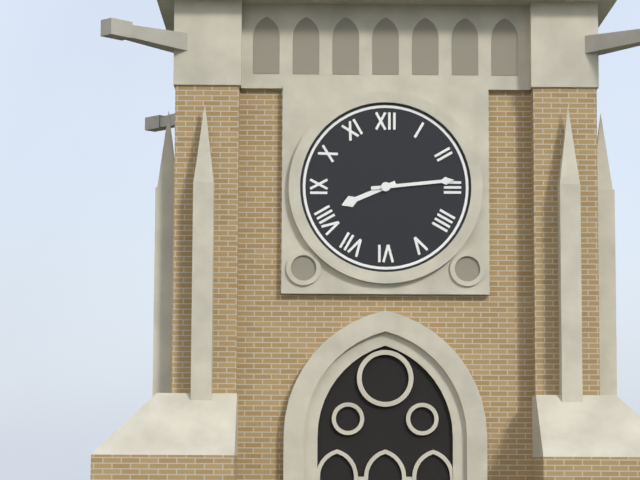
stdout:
8,14
